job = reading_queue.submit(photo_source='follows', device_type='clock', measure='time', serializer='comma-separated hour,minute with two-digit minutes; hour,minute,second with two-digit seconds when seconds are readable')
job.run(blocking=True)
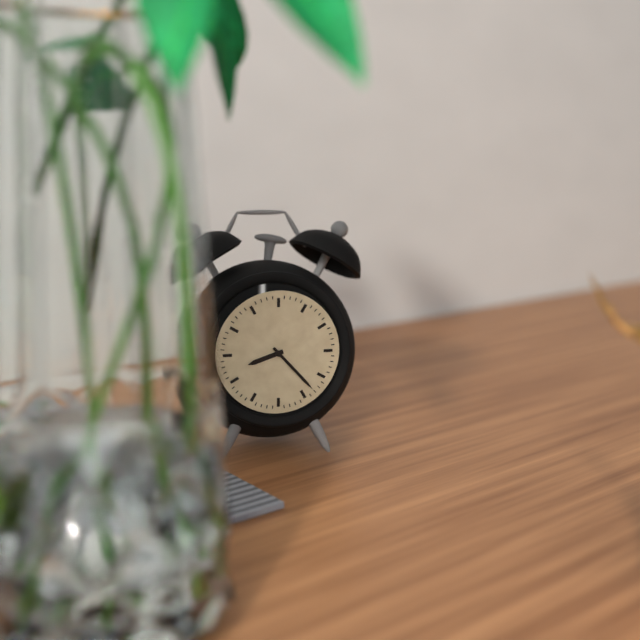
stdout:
8,23
